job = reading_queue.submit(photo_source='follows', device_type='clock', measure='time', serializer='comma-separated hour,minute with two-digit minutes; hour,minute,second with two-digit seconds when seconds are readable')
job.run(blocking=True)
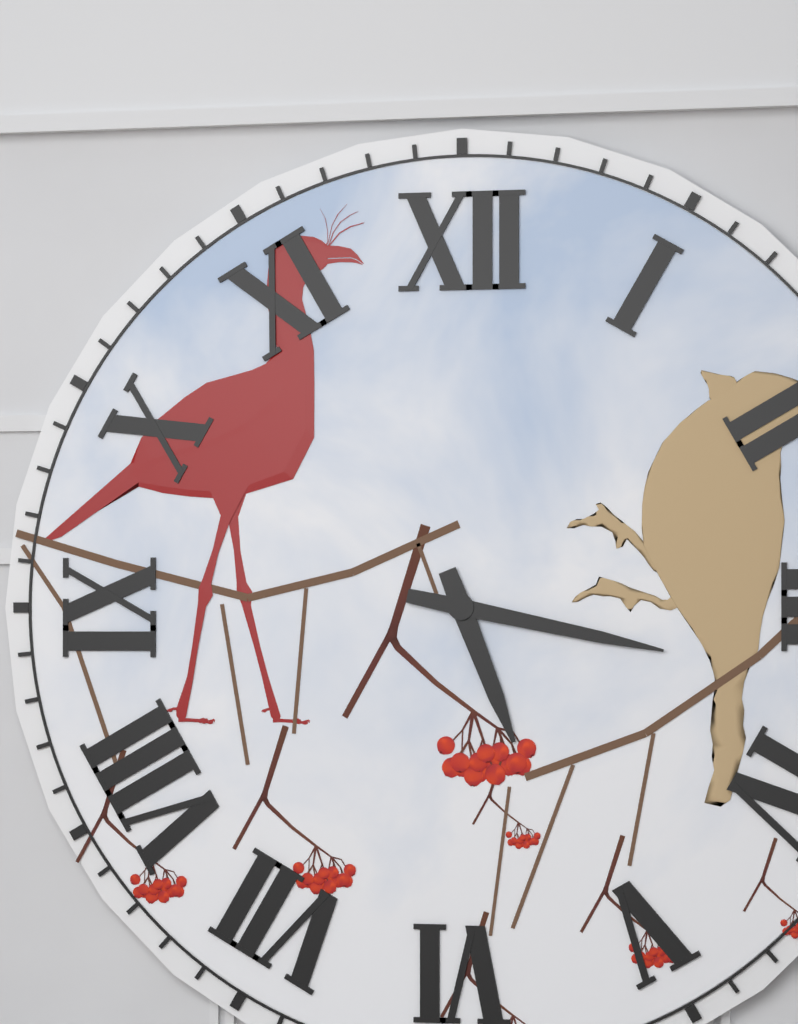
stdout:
5,17
